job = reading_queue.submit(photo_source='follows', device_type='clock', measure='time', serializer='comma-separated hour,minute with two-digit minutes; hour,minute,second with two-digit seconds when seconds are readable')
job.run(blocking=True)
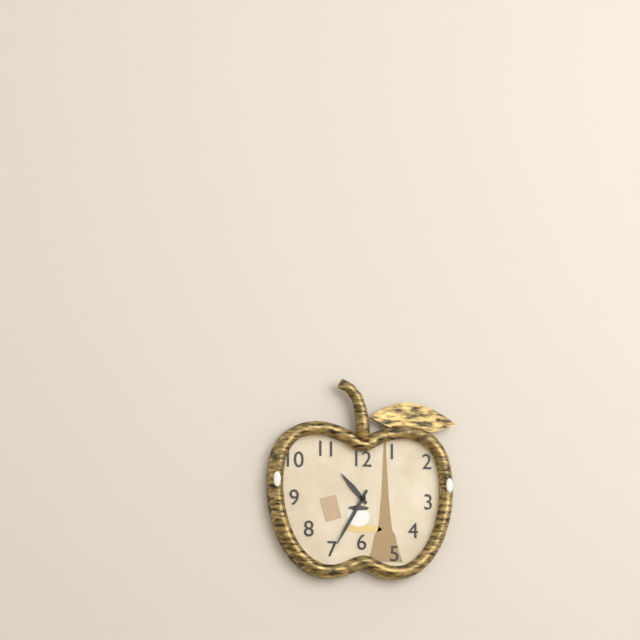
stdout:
10,35
